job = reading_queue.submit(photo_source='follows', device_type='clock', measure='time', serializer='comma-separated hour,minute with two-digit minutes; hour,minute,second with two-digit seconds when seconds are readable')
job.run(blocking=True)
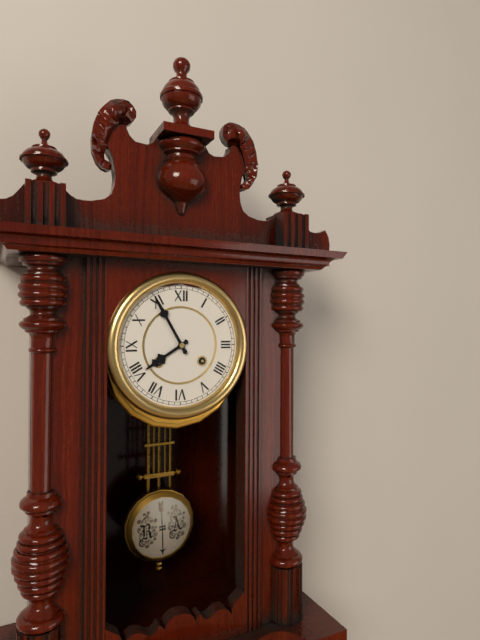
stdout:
7,55
